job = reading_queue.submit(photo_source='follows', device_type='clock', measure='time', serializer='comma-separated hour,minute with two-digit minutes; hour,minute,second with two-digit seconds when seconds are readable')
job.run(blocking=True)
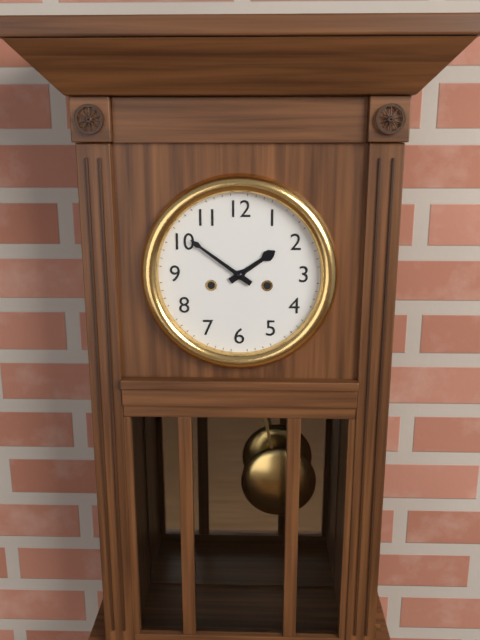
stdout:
1,51
